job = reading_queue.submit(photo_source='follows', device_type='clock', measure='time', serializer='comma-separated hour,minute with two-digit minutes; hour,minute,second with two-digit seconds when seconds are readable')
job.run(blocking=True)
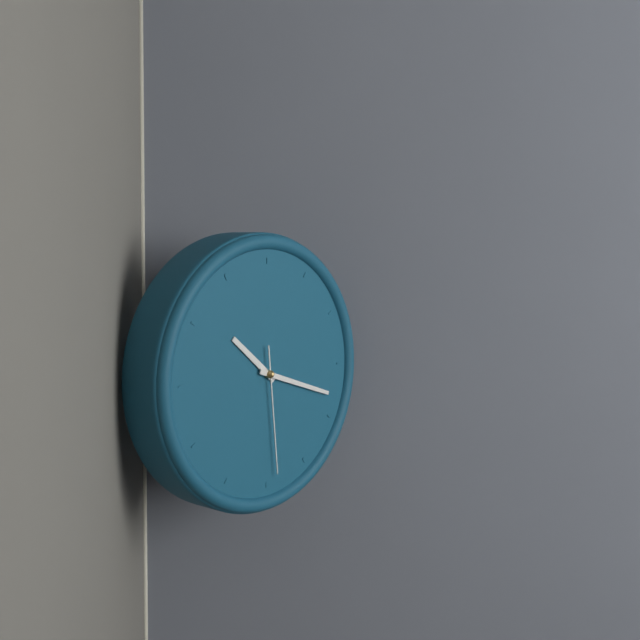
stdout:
10,18,29
